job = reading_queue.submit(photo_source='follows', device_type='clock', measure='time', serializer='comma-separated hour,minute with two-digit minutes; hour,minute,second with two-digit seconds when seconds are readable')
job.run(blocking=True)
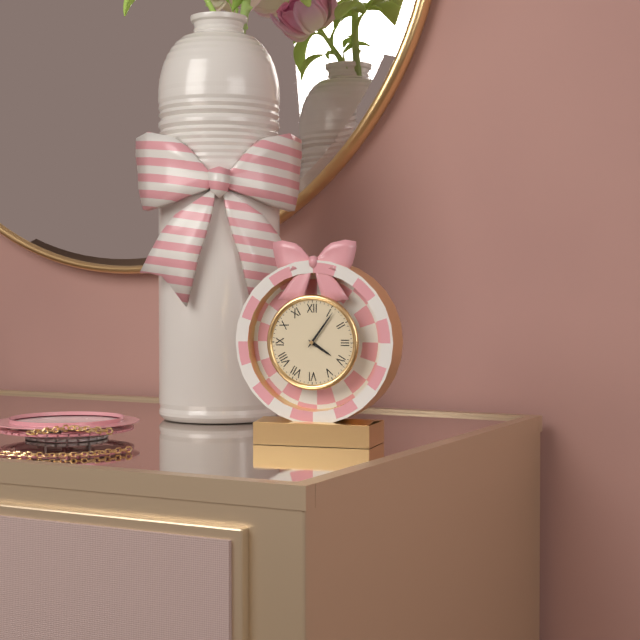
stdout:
4,06
